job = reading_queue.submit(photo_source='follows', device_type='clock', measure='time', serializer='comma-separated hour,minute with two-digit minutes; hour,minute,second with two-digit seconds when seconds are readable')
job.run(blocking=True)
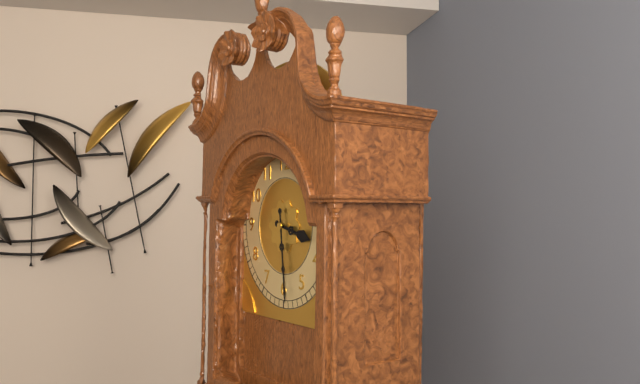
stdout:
3,29
